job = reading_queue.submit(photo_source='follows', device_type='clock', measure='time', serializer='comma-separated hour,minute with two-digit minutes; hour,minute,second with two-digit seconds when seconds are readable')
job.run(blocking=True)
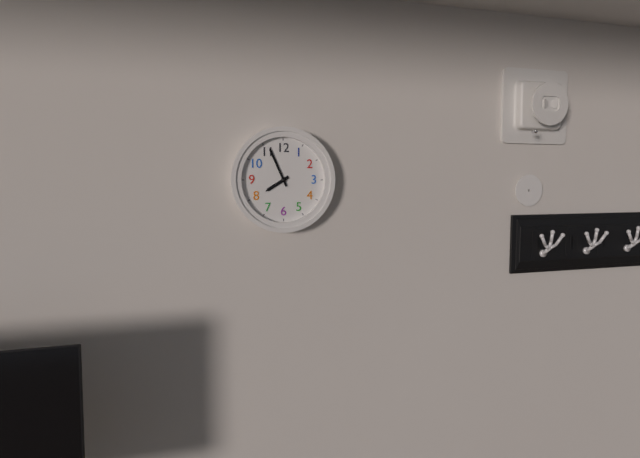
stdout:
7,56
